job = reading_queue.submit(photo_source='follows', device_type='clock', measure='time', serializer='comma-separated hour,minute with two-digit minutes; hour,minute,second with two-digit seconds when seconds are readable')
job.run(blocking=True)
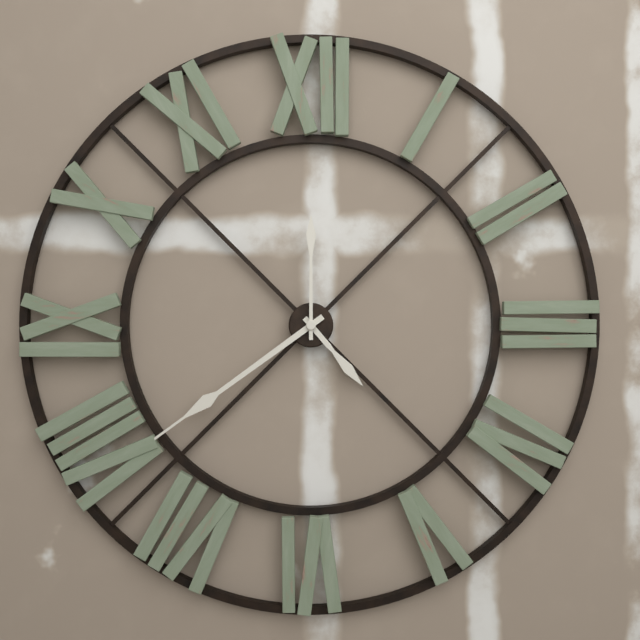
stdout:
4,39,00
